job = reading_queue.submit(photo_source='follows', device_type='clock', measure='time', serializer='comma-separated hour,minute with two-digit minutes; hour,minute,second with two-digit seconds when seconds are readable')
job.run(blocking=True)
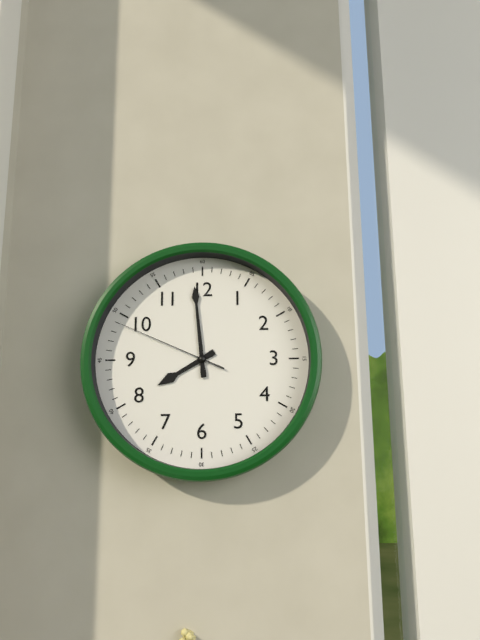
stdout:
7,59,49
